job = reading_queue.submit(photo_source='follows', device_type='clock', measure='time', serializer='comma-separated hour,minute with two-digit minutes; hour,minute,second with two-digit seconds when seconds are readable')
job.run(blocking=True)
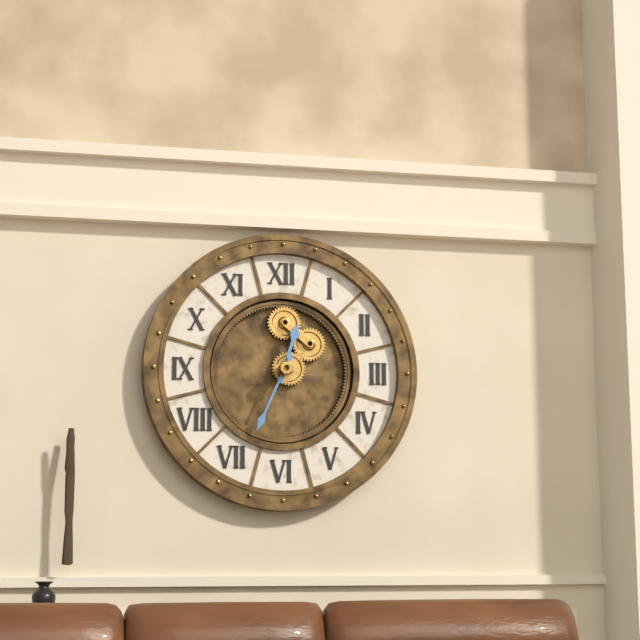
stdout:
12,34
